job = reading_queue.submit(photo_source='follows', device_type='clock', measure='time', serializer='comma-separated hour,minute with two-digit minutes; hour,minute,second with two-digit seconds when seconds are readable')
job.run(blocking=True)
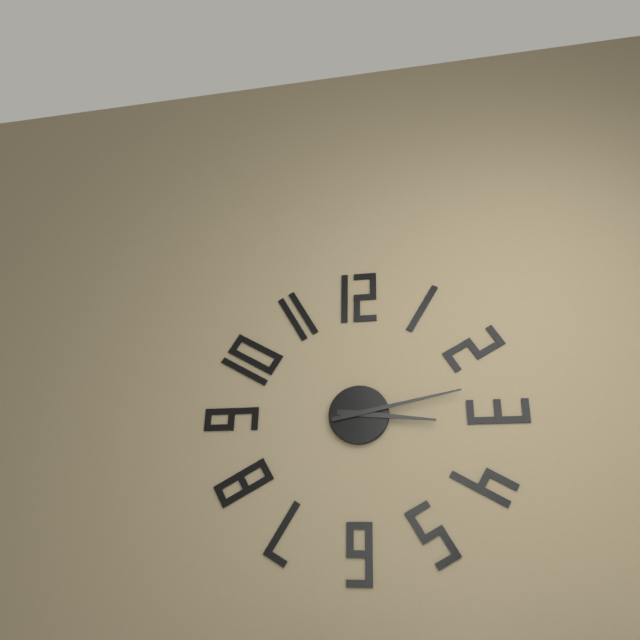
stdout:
3,13
